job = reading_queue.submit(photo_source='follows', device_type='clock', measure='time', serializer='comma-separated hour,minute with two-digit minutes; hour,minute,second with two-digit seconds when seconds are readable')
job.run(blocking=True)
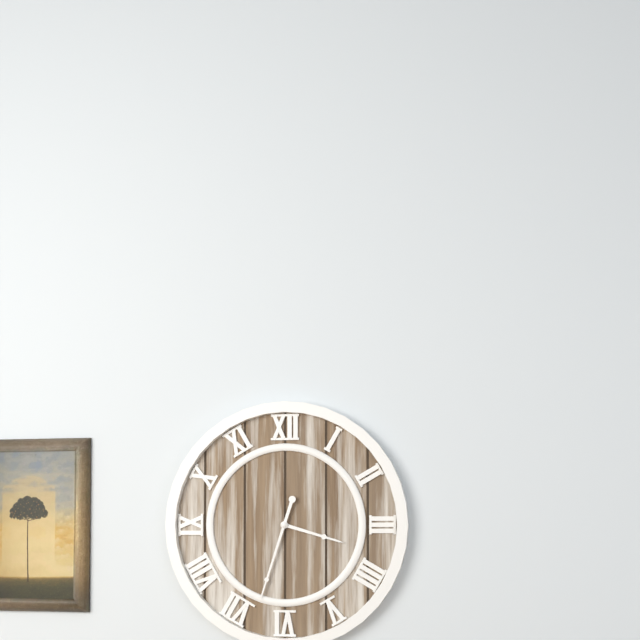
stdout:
3,33
